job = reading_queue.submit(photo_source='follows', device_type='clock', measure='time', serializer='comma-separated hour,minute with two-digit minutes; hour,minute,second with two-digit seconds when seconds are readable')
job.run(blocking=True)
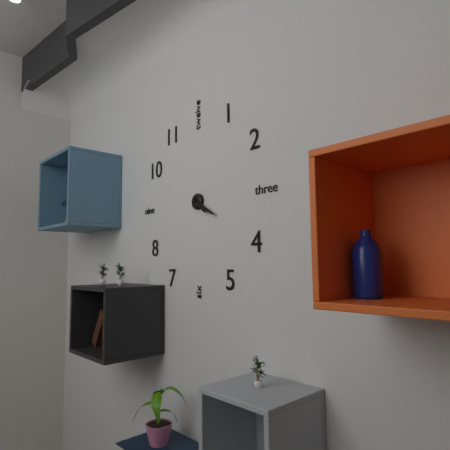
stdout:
4,20
